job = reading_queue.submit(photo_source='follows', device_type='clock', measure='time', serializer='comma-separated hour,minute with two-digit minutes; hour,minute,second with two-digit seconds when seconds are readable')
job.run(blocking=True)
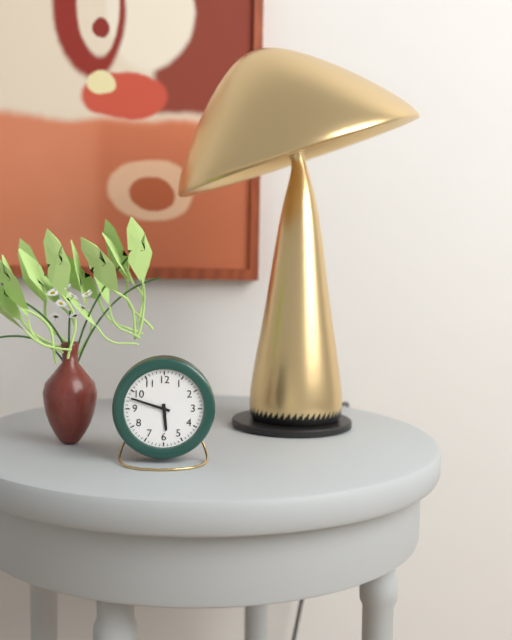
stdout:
5,48
